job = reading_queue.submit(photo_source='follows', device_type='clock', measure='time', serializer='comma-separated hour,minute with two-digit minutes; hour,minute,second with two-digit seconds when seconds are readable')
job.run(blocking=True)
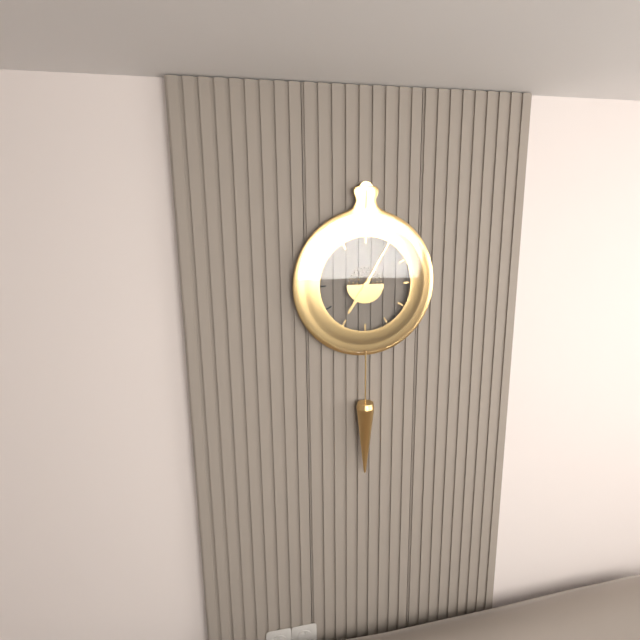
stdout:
7,05
